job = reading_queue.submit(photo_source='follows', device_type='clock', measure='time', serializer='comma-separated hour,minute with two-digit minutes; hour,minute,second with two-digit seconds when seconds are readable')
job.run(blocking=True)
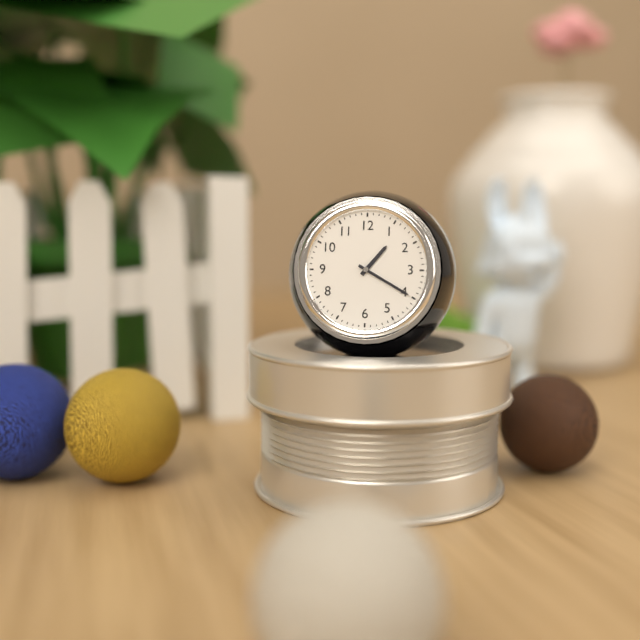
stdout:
1,20
